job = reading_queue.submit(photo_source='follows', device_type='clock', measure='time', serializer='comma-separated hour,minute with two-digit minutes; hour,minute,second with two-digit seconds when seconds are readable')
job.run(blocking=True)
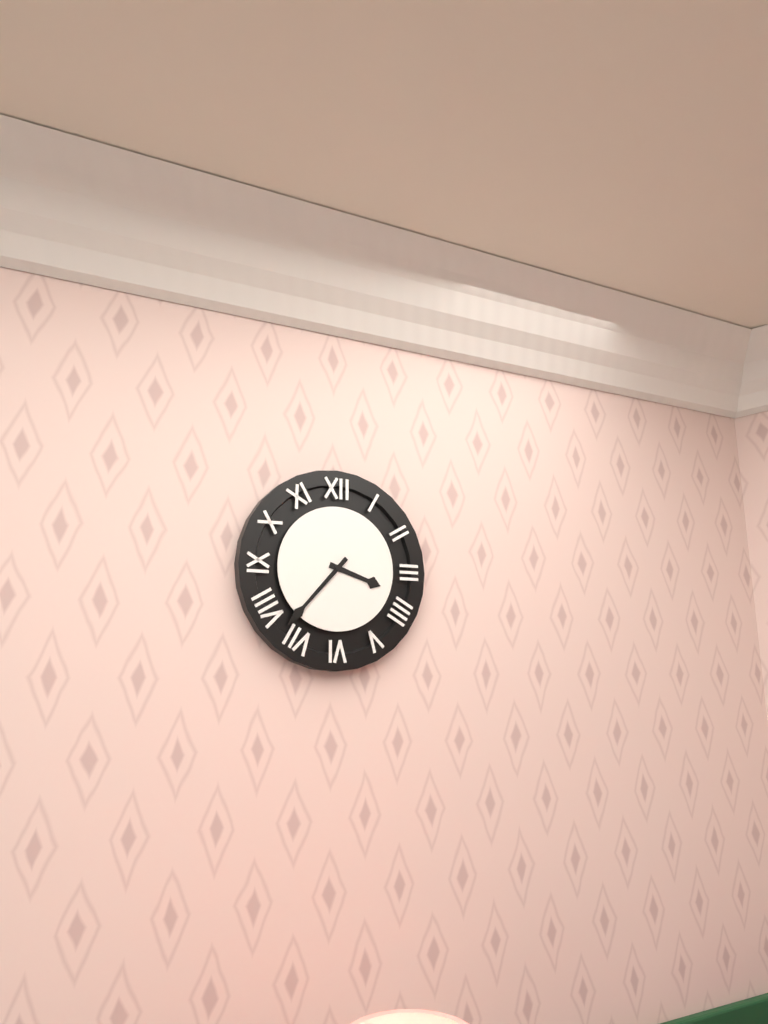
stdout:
3,37
